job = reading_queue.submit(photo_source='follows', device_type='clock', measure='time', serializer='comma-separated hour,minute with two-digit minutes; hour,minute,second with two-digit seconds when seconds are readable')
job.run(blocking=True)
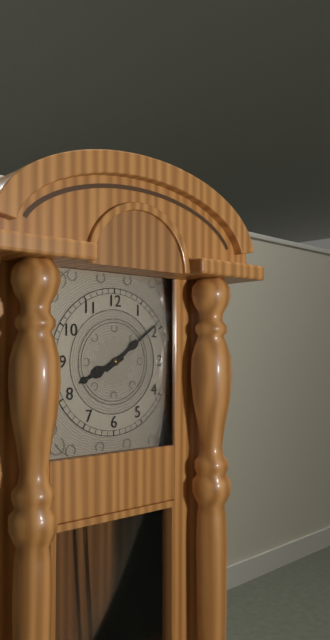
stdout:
8,09
